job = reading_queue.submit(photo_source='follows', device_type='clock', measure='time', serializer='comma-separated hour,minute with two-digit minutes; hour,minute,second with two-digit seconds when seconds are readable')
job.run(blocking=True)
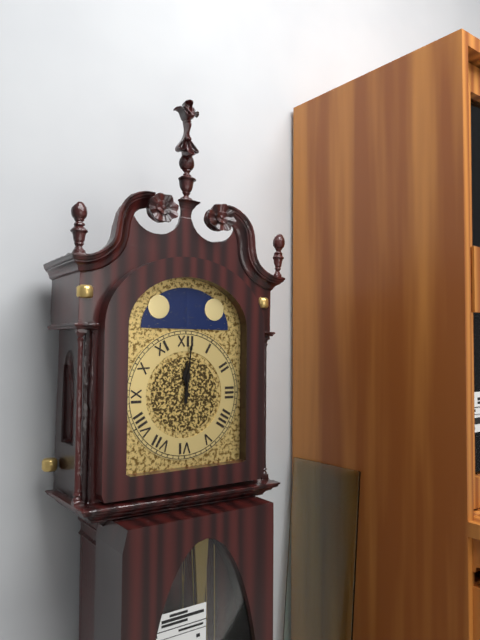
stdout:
12,01
